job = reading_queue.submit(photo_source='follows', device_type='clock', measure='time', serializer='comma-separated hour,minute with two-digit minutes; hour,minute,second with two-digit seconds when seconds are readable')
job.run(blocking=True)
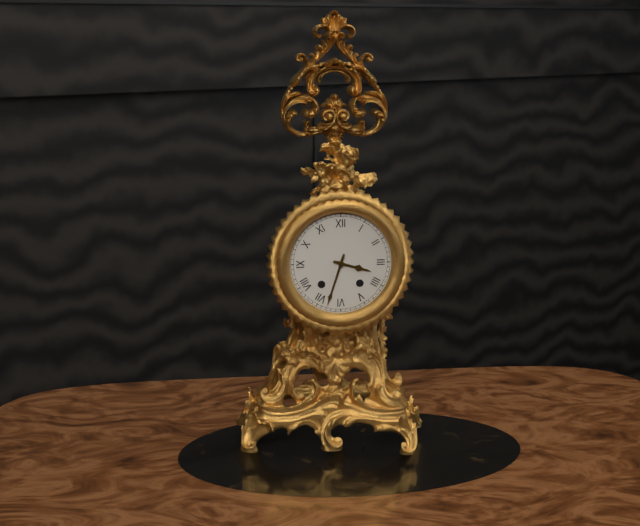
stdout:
3,33
